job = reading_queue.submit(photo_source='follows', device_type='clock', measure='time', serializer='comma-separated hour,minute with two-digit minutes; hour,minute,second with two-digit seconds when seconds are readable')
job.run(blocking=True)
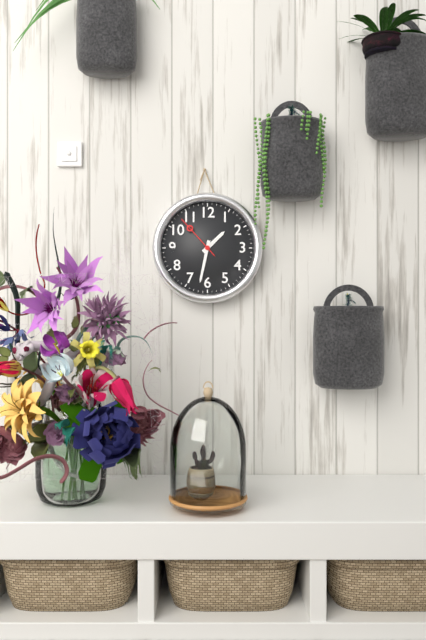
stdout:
1,32,53
